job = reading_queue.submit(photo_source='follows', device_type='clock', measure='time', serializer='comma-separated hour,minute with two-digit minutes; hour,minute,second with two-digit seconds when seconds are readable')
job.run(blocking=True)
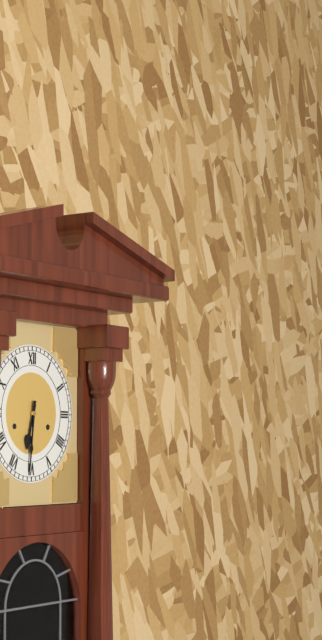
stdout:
6,31
